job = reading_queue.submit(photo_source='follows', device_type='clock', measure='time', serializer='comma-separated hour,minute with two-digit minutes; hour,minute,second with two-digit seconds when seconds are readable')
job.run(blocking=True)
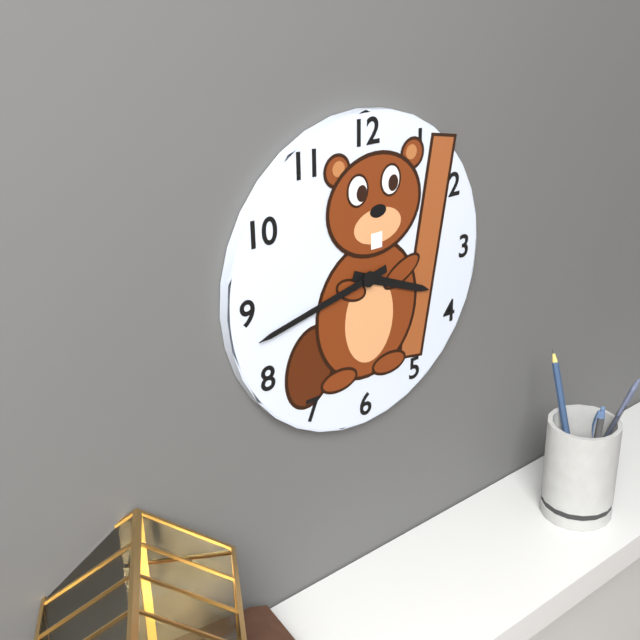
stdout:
3,43
